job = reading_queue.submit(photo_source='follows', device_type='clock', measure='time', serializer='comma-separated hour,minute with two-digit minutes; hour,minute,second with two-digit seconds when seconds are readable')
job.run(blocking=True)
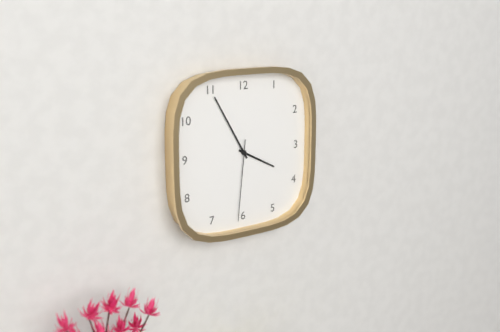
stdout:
3,55,31
